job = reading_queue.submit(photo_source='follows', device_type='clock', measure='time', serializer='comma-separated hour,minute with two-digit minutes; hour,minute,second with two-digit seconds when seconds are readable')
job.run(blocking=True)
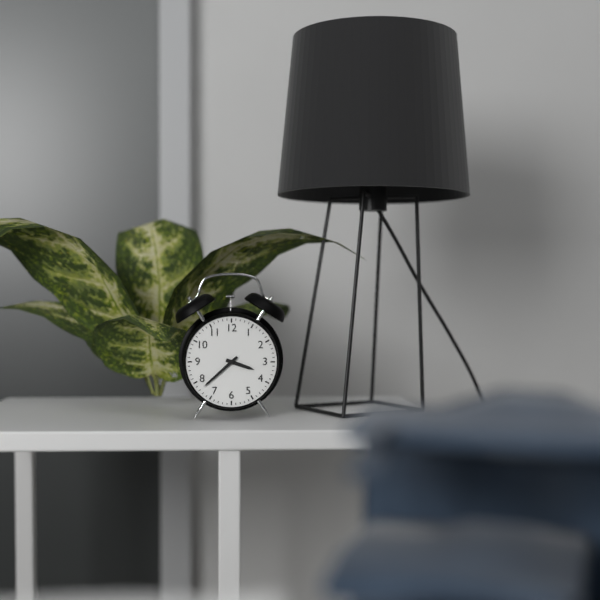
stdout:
3,38
